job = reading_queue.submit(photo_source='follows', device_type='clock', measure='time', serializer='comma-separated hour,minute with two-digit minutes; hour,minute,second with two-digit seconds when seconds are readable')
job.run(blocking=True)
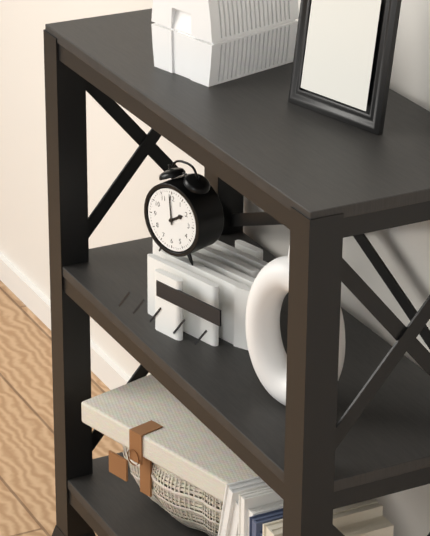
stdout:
1,59
